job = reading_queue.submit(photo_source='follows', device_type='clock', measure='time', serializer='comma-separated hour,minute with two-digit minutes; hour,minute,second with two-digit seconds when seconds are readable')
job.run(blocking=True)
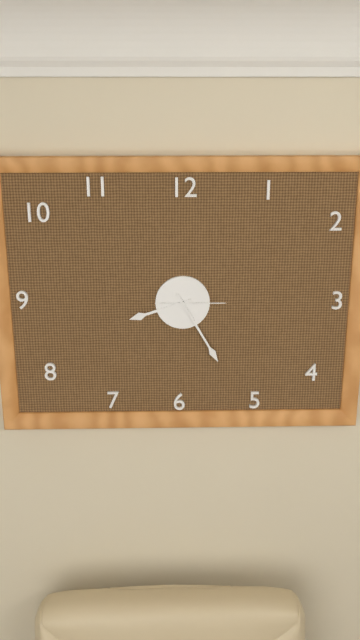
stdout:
8,25,15
